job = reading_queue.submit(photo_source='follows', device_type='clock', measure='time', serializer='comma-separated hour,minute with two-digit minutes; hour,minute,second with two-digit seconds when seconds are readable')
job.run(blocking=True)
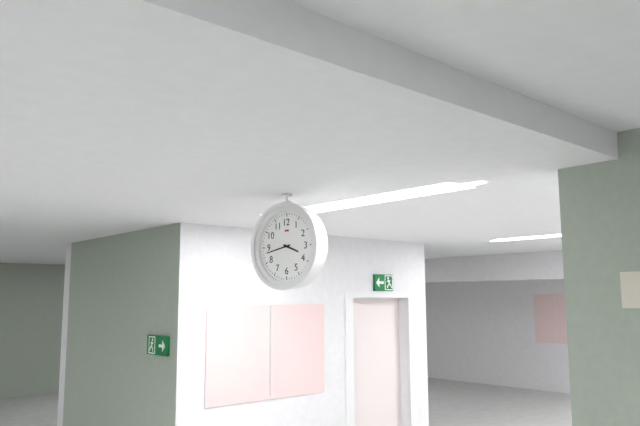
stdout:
3,43
